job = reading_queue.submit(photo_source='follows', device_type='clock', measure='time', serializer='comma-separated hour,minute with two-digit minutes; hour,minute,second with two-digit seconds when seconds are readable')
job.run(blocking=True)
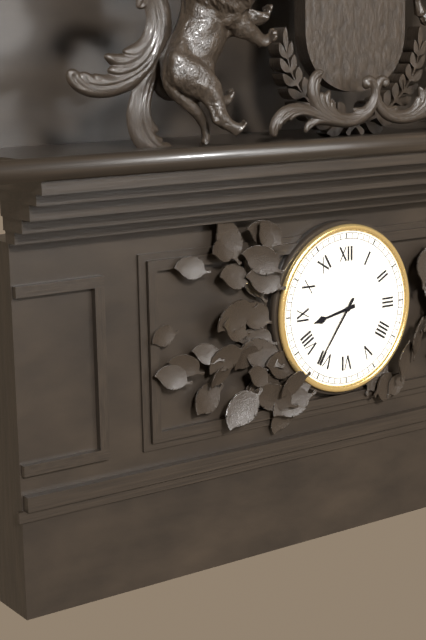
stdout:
8,36
